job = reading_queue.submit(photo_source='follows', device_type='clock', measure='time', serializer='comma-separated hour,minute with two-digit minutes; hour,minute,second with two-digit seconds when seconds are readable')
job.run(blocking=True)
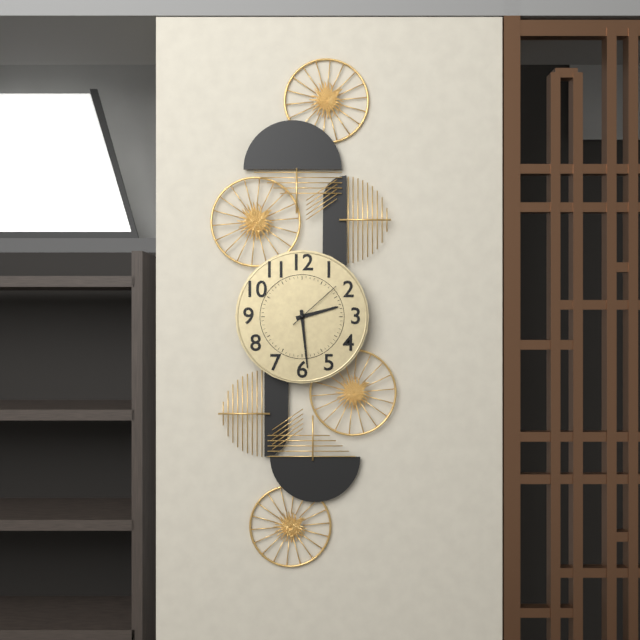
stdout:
2,29,08
